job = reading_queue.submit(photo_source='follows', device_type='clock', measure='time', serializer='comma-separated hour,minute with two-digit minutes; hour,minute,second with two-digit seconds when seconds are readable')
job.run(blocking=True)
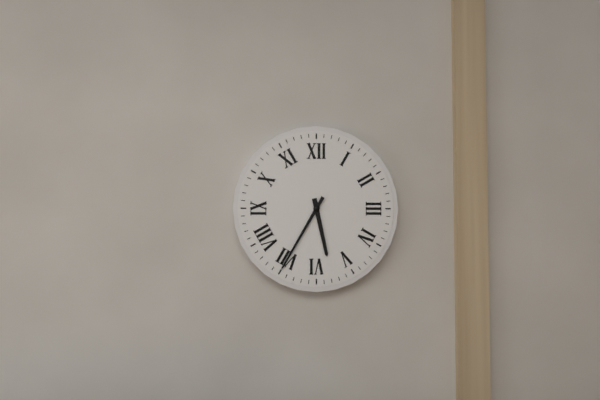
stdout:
5,35
